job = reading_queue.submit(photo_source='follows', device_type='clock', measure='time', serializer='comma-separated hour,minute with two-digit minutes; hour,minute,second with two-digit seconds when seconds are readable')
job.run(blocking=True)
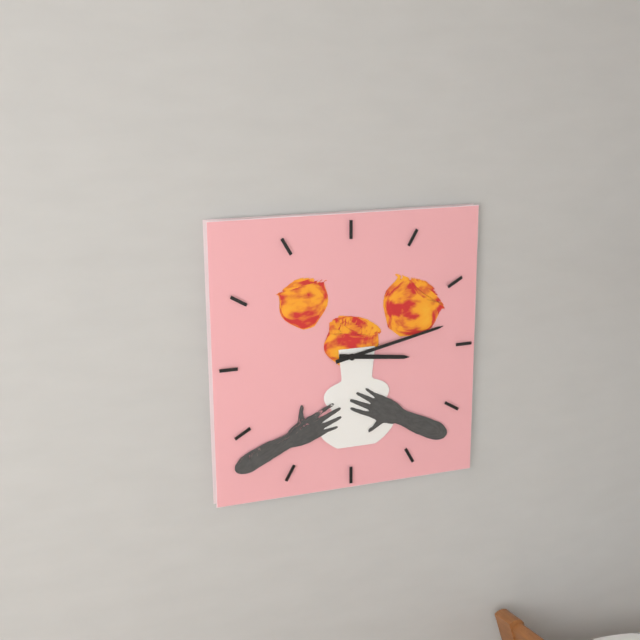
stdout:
3,13
